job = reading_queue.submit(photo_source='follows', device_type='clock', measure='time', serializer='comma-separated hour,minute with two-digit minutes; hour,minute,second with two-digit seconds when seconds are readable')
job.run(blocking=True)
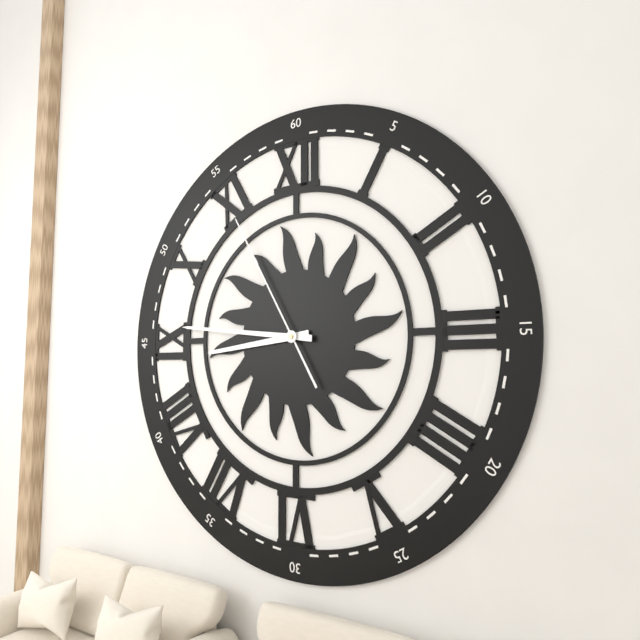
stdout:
8,46,55
